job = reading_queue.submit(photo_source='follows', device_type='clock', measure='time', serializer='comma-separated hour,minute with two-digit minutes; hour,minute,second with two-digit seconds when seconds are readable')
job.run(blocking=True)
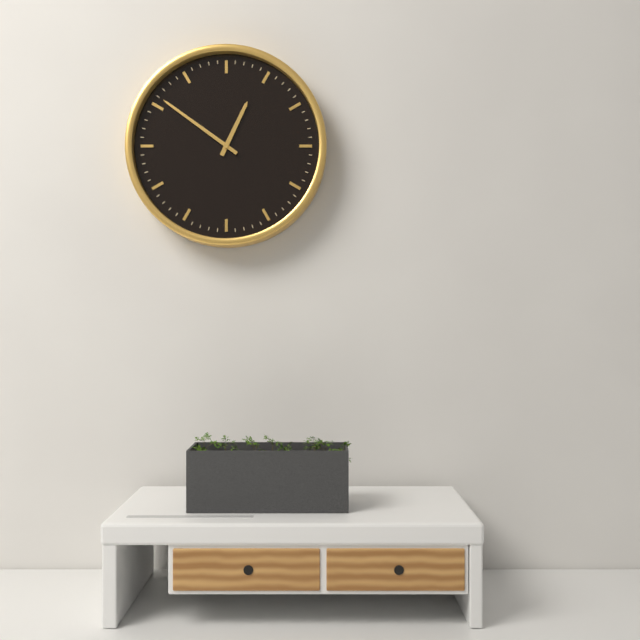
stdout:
12,51
